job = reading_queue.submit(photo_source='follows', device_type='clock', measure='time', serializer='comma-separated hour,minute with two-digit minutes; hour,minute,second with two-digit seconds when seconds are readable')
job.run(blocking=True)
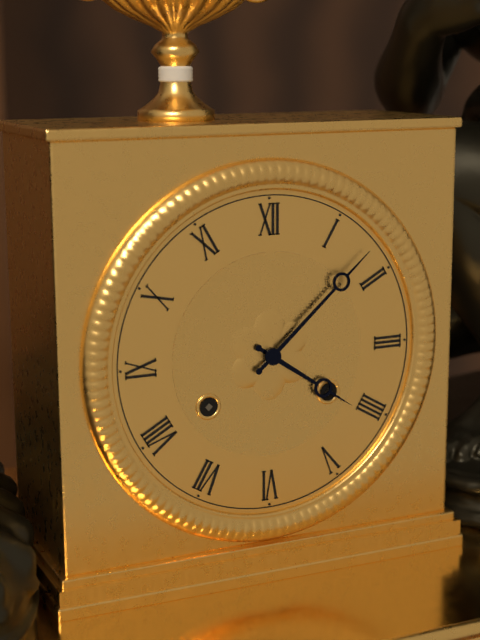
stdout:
4,08
